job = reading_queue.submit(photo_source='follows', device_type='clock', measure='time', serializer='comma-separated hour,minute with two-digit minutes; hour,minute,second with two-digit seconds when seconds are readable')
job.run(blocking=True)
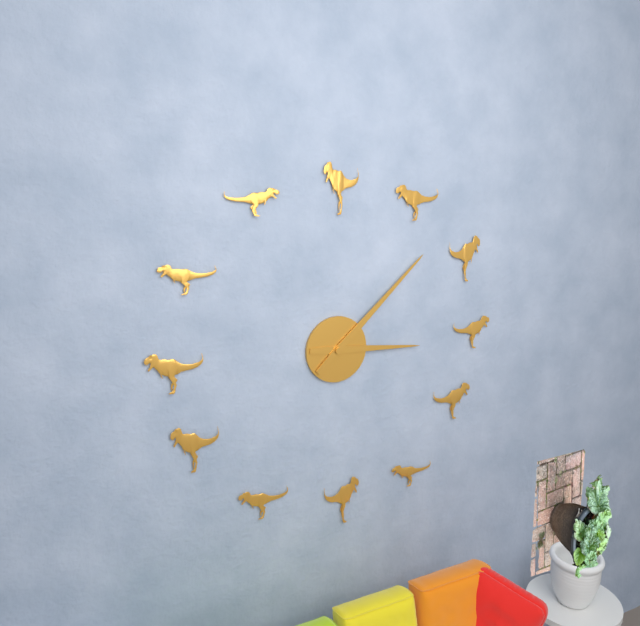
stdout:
3,08
